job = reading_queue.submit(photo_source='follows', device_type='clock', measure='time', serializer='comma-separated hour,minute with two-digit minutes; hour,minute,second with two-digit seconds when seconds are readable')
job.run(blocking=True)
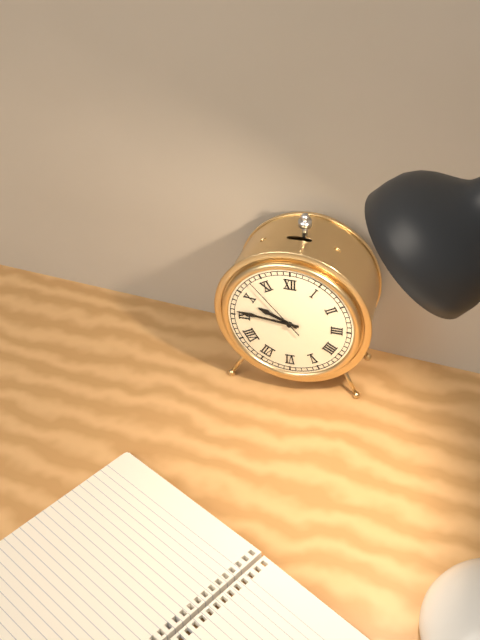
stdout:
9,46,53
